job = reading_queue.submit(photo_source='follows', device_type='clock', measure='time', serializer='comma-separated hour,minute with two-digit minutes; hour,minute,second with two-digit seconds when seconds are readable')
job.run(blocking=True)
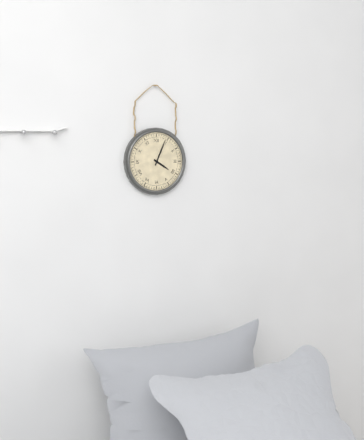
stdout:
4,04
